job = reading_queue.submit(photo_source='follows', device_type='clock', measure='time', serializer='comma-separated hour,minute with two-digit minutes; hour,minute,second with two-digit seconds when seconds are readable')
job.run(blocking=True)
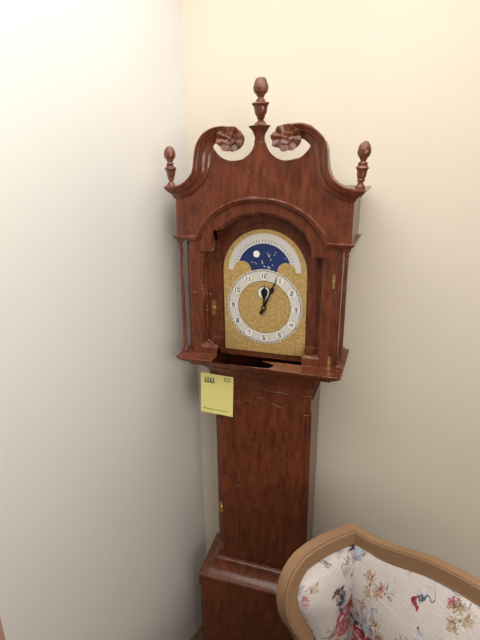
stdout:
12,04
